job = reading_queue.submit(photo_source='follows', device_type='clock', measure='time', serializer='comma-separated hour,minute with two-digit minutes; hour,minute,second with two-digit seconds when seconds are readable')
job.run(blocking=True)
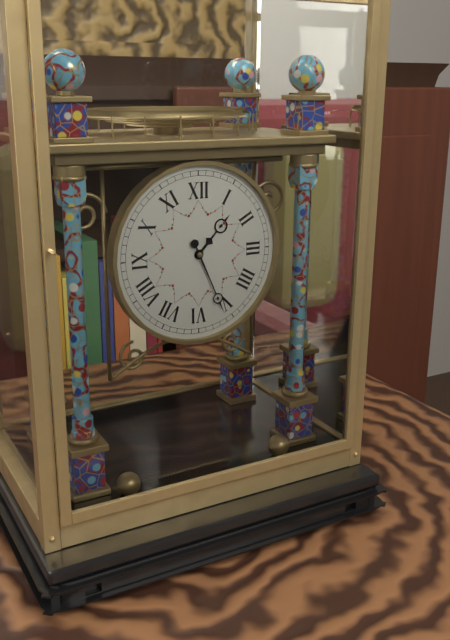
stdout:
1,26
